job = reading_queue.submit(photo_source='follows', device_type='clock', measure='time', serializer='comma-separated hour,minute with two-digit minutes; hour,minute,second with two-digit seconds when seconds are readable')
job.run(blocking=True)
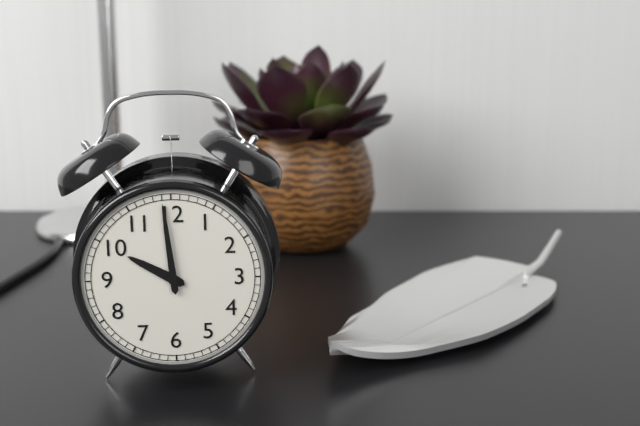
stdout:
9,59
